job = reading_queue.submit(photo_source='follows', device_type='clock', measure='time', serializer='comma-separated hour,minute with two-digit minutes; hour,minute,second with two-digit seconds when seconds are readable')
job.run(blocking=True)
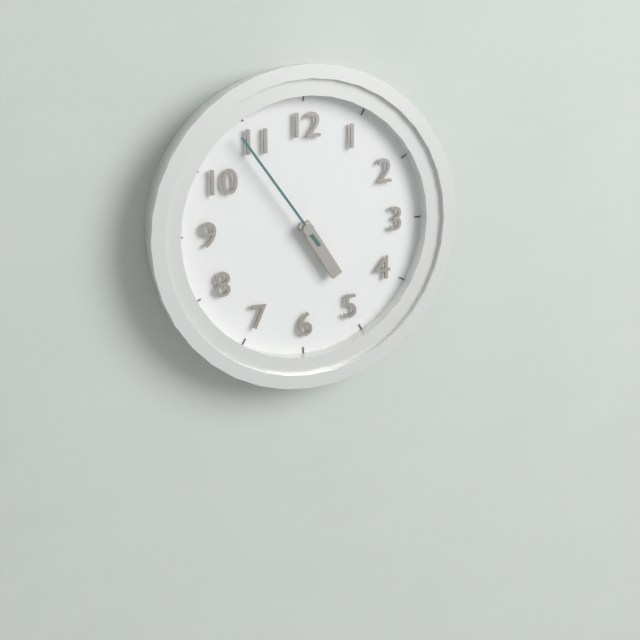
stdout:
4,54
